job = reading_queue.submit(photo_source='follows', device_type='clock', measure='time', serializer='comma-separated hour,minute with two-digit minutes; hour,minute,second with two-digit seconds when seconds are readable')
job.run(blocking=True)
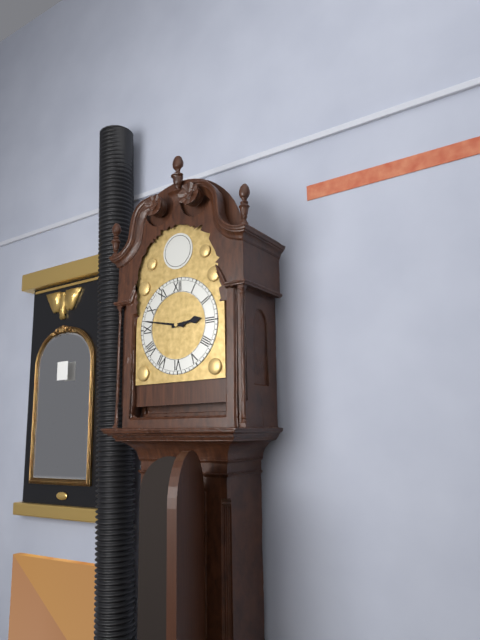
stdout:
2,47
